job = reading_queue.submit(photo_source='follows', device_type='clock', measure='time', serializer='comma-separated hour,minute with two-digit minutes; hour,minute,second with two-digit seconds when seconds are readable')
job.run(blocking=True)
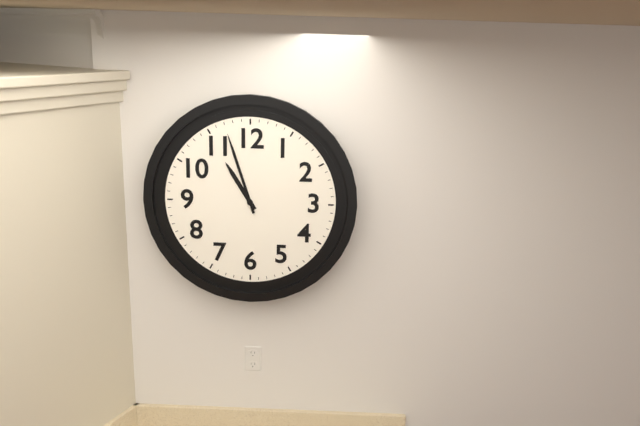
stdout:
10,57
